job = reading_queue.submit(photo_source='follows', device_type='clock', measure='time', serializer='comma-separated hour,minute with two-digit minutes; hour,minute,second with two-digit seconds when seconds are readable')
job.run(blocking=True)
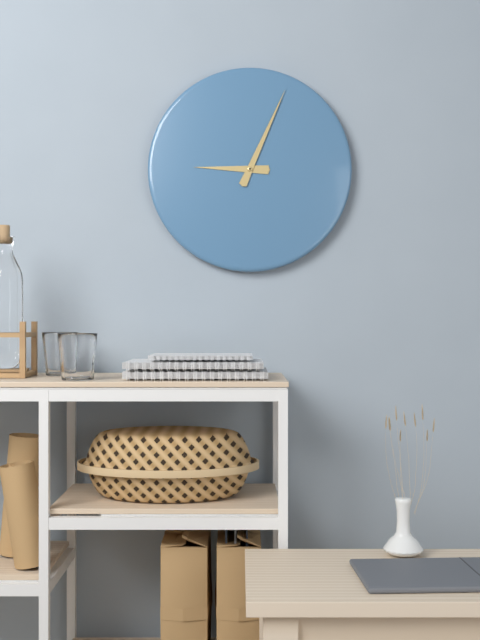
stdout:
9,04
